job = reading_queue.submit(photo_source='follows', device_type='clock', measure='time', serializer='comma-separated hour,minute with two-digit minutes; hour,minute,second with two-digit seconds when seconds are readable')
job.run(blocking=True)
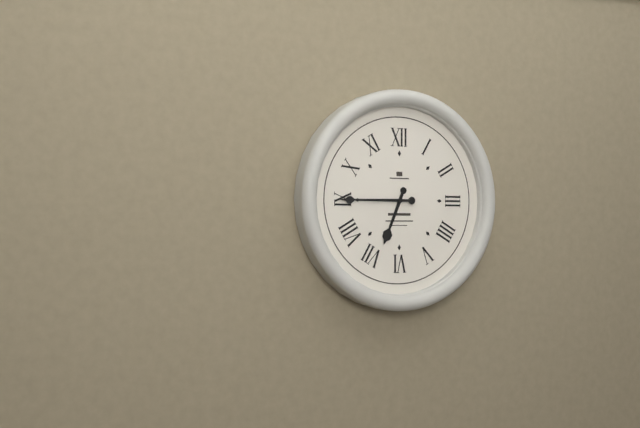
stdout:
6,45
